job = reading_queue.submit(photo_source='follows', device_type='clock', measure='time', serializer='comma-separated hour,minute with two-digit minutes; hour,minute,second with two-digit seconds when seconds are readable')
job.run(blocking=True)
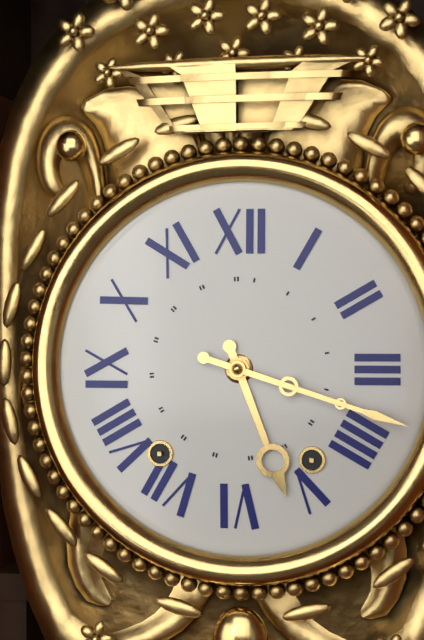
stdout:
5,18
